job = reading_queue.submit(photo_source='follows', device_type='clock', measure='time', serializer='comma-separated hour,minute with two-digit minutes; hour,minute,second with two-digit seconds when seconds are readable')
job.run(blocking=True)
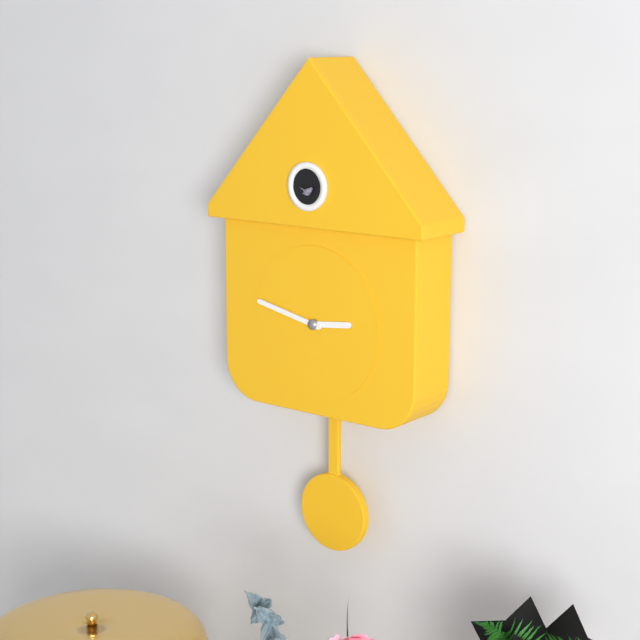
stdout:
2,47
